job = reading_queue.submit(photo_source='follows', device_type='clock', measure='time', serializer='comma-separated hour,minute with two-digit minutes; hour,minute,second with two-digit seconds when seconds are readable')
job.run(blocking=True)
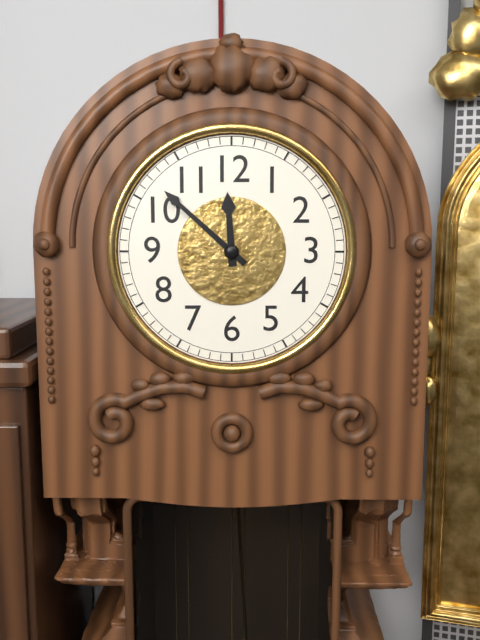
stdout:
11,52
